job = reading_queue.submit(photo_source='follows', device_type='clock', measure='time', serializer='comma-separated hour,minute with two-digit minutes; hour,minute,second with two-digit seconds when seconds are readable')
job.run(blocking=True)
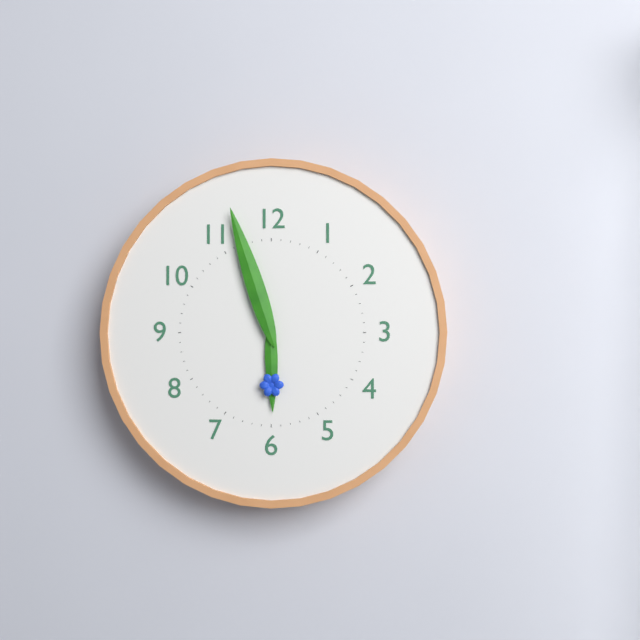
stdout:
5,57
